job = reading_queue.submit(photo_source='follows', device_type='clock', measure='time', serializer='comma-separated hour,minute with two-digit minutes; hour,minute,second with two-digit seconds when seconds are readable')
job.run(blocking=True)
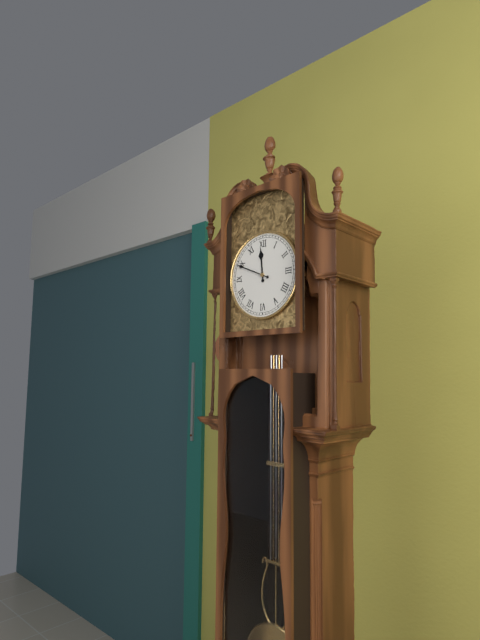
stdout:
11,49
